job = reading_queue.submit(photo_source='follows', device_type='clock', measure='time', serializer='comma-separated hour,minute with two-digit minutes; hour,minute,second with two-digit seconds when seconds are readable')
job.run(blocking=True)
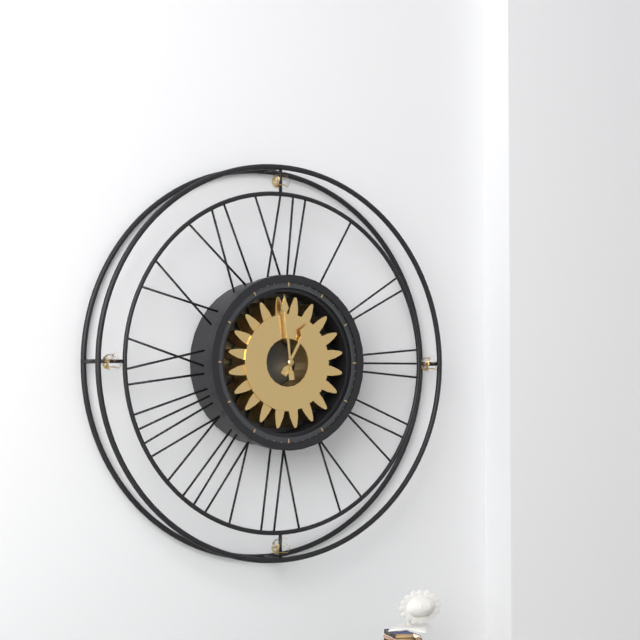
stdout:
12,59
